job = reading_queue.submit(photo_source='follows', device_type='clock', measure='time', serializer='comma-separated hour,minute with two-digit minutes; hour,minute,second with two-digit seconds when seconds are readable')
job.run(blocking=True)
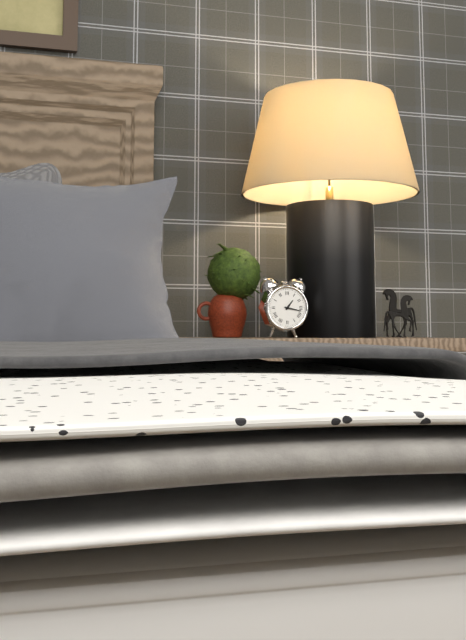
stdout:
1,17
